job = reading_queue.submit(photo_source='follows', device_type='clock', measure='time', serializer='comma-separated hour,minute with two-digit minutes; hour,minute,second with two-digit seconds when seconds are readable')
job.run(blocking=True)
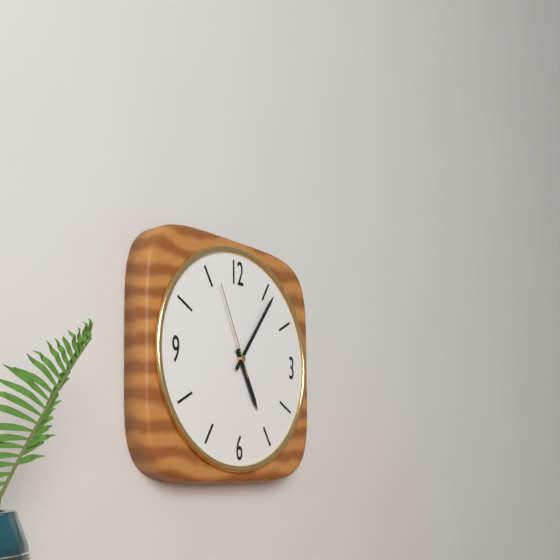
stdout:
5,06,56
